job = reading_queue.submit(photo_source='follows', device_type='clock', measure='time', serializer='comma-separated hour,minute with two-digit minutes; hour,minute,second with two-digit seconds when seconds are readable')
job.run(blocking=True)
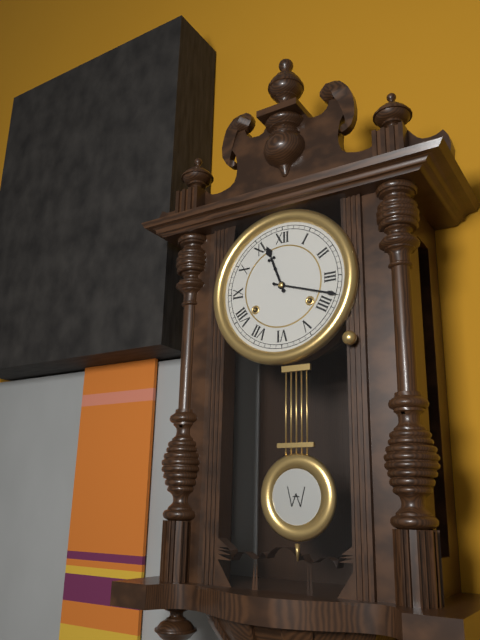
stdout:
11,18
